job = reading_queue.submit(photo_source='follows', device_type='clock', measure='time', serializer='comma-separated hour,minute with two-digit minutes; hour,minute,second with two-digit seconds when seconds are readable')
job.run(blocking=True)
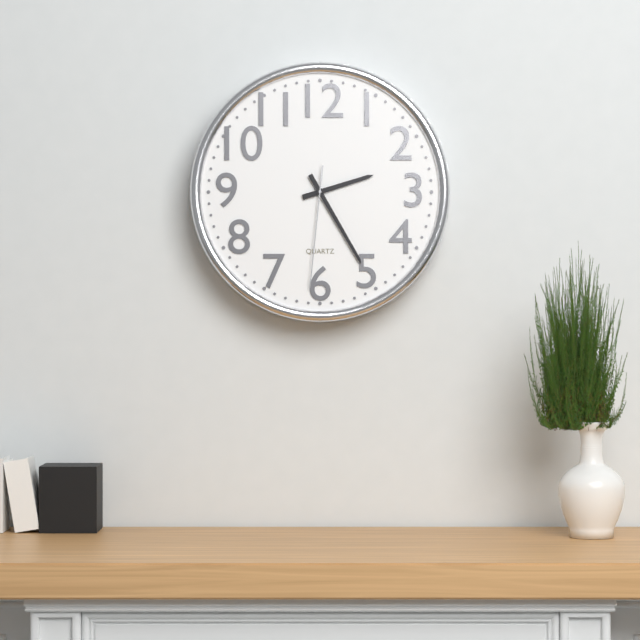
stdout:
2,25,31
